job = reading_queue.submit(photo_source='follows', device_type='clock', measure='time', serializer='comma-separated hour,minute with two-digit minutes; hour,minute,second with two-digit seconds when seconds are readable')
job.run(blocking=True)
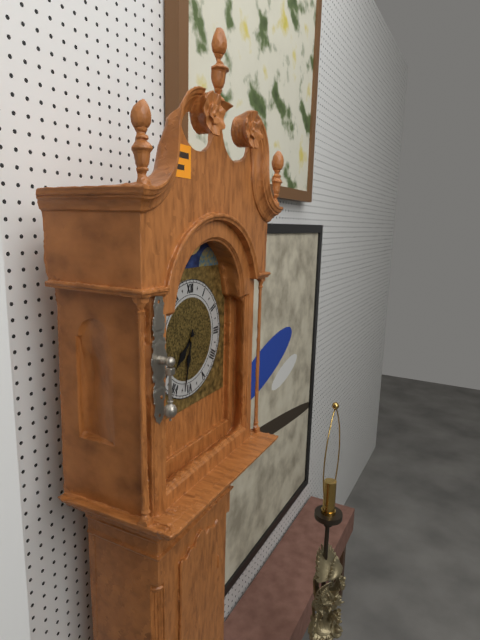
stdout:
7,32
